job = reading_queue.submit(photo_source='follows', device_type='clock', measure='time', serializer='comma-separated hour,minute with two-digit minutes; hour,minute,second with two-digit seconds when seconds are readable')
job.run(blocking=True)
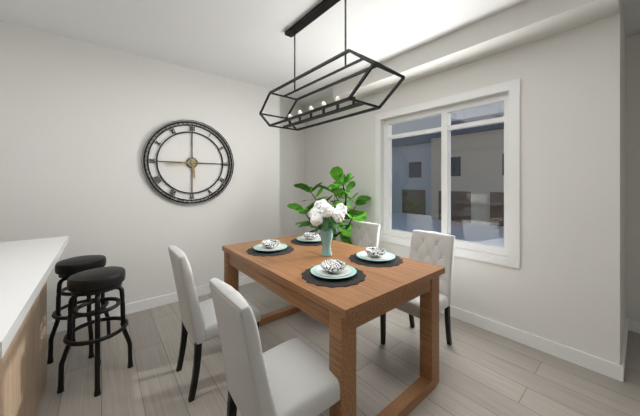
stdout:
5,44
